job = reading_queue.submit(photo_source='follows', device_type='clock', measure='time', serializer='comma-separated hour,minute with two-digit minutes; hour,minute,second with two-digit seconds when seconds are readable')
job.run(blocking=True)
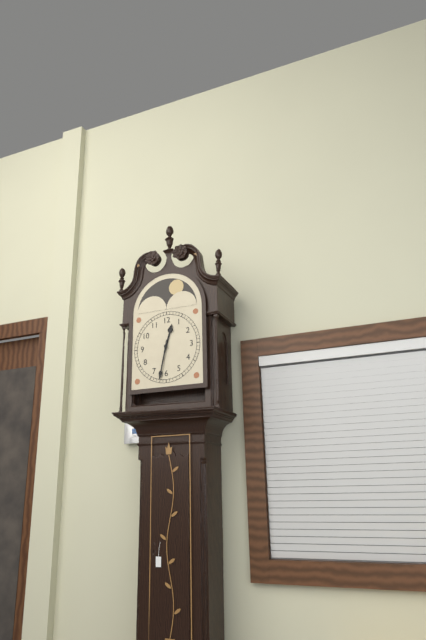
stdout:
12,32
